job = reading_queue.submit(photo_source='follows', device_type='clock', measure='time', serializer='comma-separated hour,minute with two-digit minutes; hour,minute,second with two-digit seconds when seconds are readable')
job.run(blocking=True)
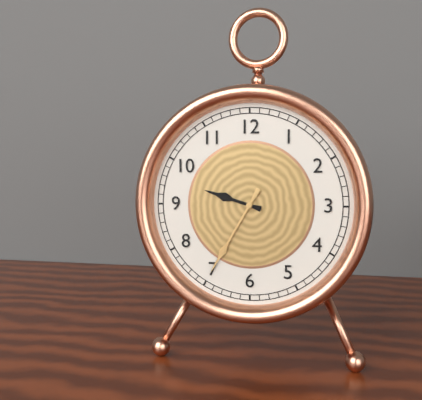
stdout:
9,35
